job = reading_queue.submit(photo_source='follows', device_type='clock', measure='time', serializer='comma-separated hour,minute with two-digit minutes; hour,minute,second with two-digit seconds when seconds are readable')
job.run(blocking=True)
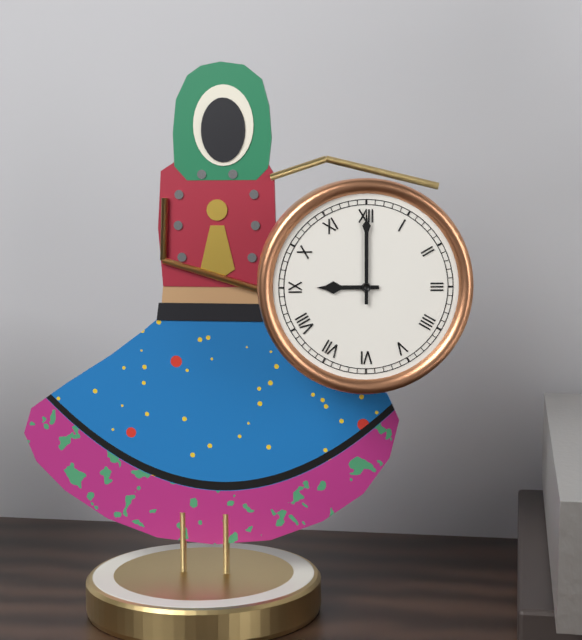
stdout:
9,00
